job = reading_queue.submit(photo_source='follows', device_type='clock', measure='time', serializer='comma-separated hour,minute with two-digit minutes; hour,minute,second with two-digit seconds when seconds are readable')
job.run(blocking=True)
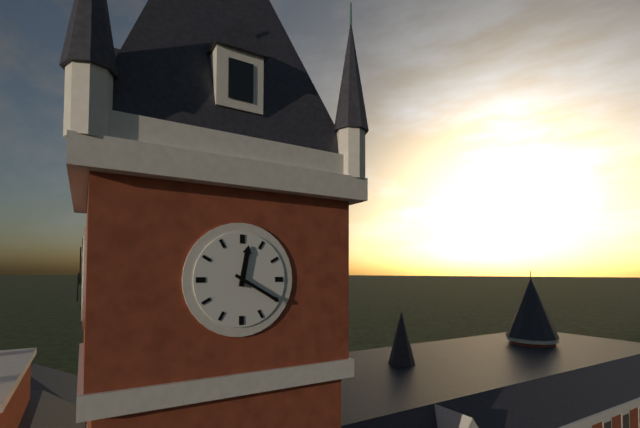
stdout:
12,20
